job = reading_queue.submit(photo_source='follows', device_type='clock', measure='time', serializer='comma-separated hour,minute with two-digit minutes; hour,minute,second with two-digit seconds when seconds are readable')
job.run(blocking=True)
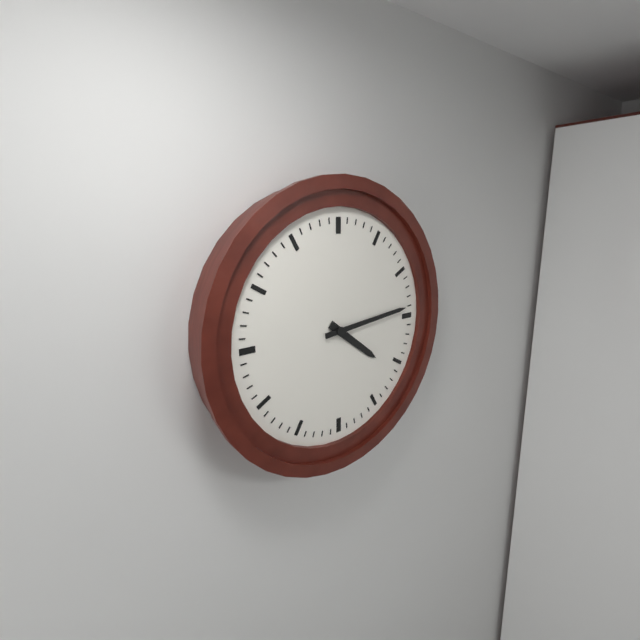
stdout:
4,14
